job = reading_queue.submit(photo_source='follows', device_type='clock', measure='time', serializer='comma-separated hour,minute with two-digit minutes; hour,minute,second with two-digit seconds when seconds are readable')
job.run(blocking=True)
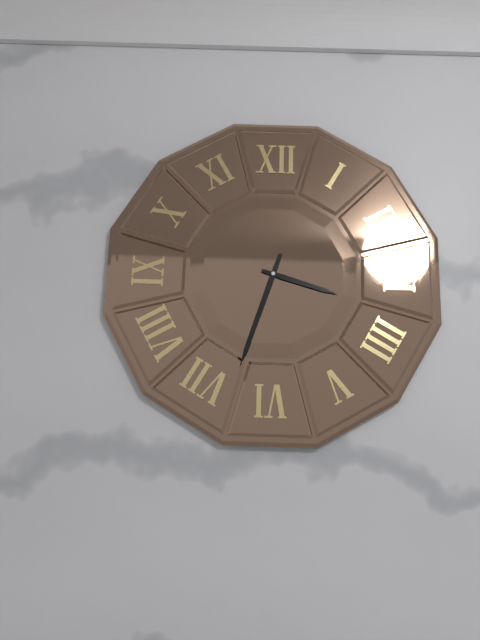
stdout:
3,33
